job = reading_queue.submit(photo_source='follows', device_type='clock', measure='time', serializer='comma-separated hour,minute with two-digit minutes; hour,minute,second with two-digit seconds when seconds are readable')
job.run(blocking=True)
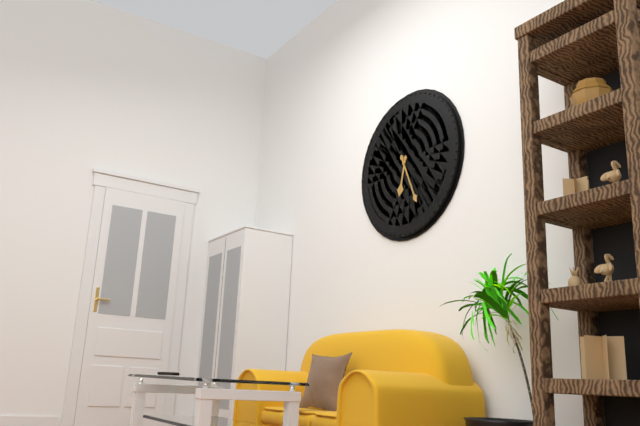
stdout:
6,26
